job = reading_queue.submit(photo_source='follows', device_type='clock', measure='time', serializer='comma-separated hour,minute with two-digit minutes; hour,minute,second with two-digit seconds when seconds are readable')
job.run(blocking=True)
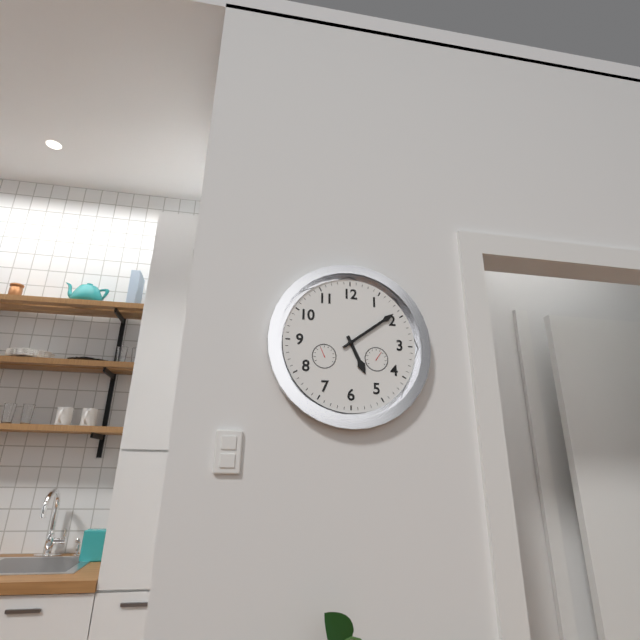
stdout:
5,09
